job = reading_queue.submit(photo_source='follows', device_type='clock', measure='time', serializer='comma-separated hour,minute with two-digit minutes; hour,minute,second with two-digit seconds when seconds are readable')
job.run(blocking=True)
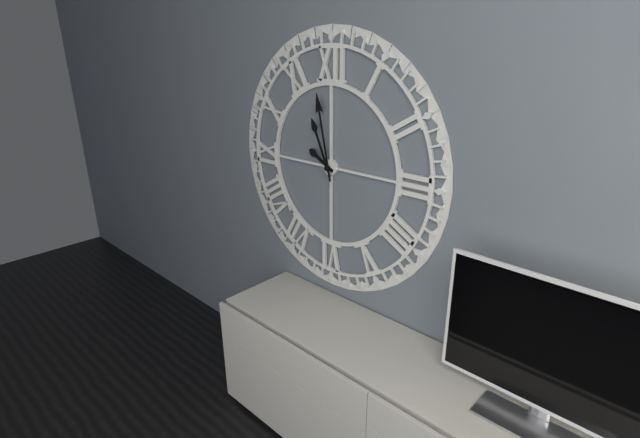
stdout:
9,58,56
